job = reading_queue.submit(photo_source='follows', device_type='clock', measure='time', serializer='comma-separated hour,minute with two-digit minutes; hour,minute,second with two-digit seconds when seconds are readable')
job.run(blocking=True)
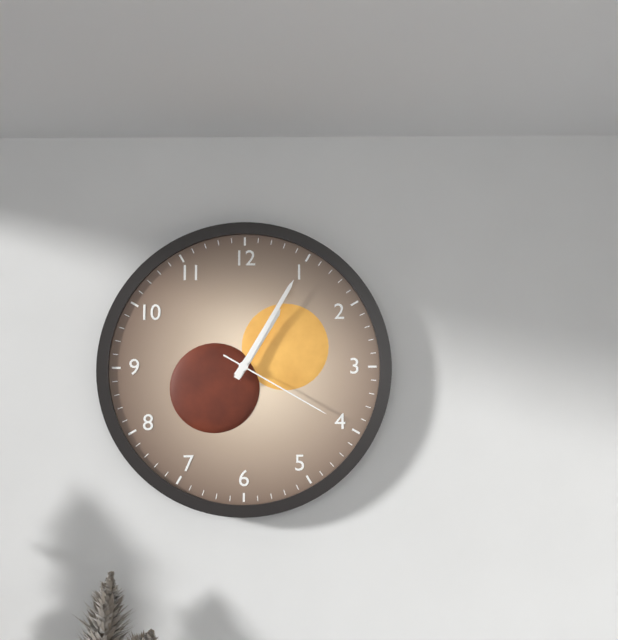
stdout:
1,05,20
